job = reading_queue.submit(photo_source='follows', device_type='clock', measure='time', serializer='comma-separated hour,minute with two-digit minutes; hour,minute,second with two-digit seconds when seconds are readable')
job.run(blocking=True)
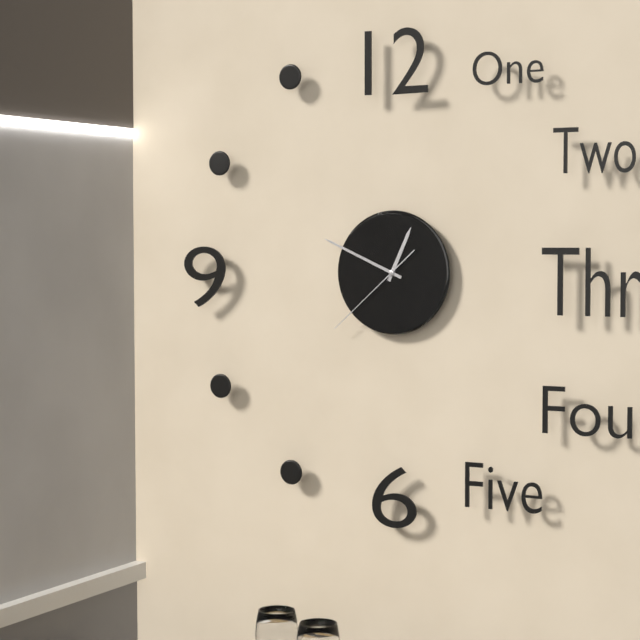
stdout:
12,49,38
